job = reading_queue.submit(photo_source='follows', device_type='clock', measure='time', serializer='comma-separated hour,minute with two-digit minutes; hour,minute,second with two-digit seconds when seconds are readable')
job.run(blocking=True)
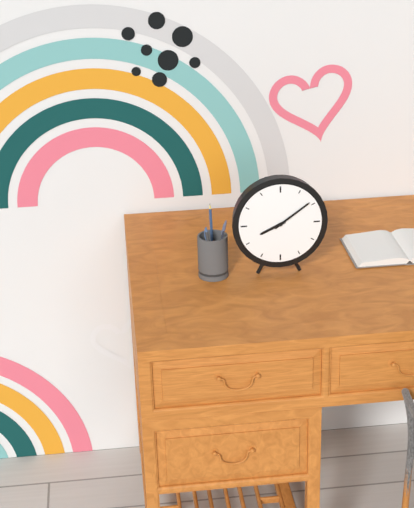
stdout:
8,09
